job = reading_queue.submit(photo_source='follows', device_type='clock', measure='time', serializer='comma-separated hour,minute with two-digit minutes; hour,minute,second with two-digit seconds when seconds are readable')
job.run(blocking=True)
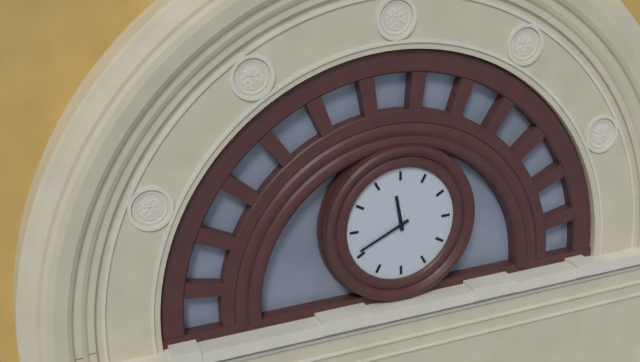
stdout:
11,41
